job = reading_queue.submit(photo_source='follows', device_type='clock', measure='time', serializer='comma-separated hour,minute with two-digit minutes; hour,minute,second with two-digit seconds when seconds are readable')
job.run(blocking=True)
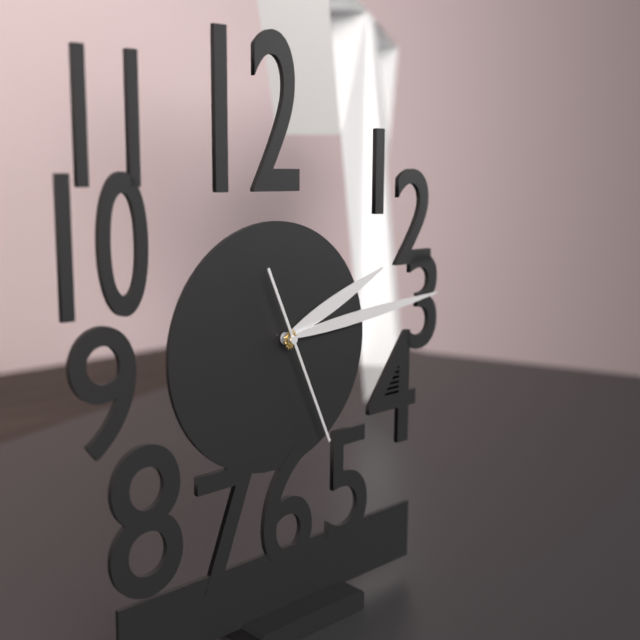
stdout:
2,14,26
